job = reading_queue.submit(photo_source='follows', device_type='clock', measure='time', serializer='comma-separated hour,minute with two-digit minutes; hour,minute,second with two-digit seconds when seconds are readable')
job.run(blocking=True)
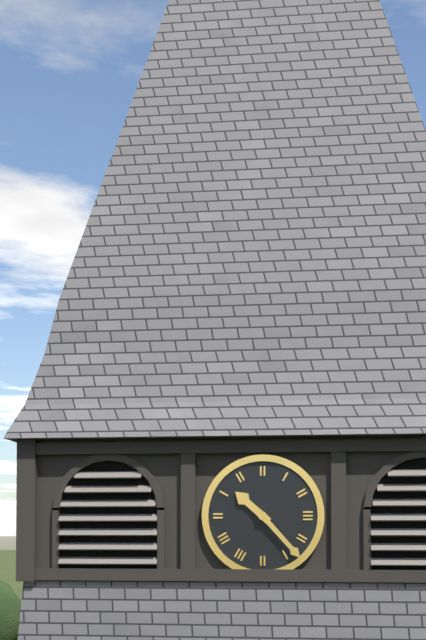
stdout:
10,23
